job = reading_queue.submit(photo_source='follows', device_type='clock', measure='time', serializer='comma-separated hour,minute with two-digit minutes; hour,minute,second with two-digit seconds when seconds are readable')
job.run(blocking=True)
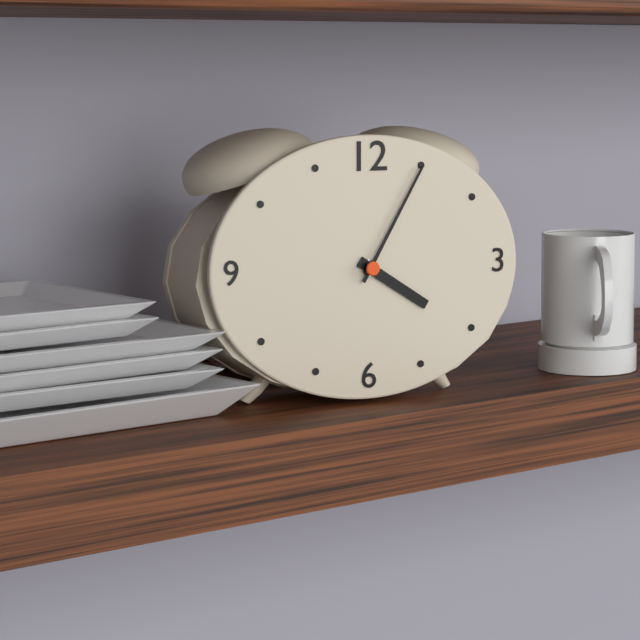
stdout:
4,05
